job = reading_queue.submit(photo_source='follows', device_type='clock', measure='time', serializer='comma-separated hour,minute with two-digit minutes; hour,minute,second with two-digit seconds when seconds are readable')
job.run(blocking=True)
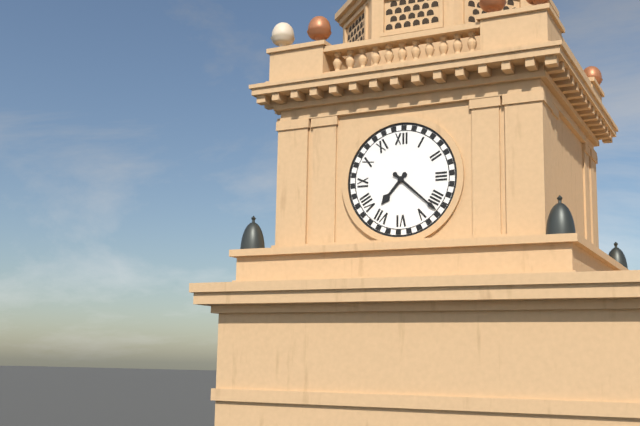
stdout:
7,22
